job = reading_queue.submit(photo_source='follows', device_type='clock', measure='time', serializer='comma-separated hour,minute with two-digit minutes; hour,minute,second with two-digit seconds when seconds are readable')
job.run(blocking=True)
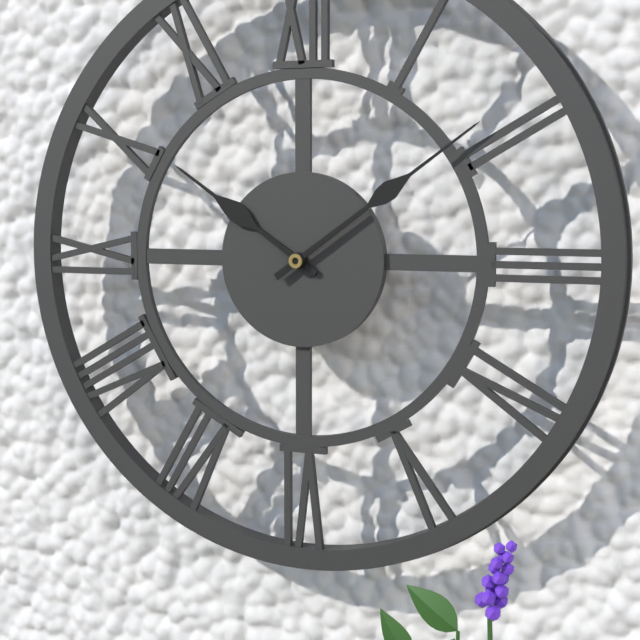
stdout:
10,09
